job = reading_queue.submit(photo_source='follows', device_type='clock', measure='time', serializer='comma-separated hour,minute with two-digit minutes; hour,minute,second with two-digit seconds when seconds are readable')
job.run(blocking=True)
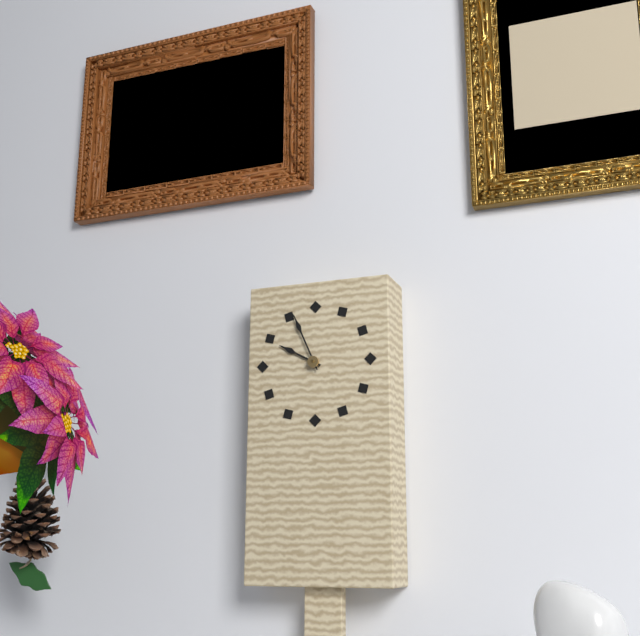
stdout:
9,56
